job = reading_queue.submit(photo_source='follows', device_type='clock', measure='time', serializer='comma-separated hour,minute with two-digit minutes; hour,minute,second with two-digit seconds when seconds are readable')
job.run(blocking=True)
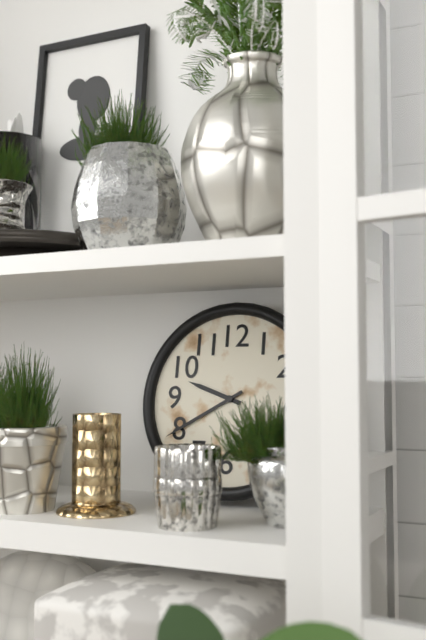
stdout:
9,40
